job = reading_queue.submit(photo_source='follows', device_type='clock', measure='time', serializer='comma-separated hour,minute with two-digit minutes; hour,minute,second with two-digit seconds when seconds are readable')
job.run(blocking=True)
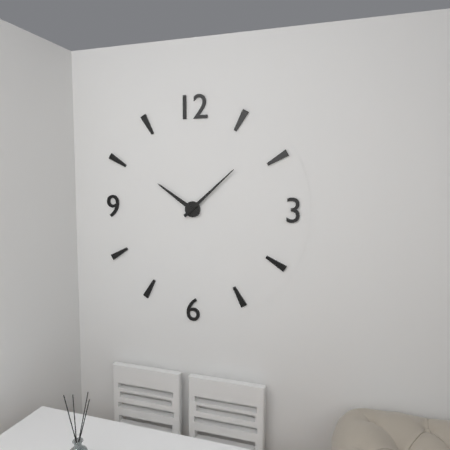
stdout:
10,08
